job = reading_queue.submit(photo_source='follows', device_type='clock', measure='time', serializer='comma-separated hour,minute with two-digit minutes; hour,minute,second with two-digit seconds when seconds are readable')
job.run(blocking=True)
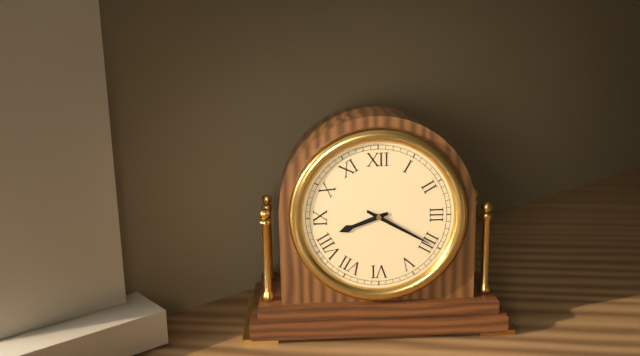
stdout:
8,20
